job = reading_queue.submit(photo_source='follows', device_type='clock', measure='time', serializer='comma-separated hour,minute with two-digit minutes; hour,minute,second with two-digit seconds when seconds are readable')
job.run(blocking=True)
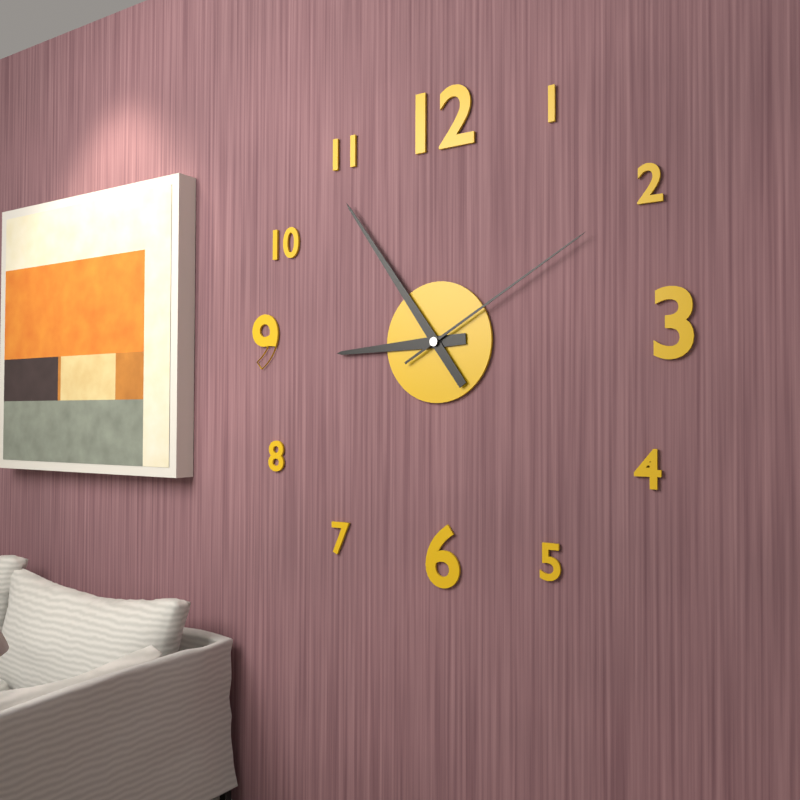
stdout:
8,54,10
